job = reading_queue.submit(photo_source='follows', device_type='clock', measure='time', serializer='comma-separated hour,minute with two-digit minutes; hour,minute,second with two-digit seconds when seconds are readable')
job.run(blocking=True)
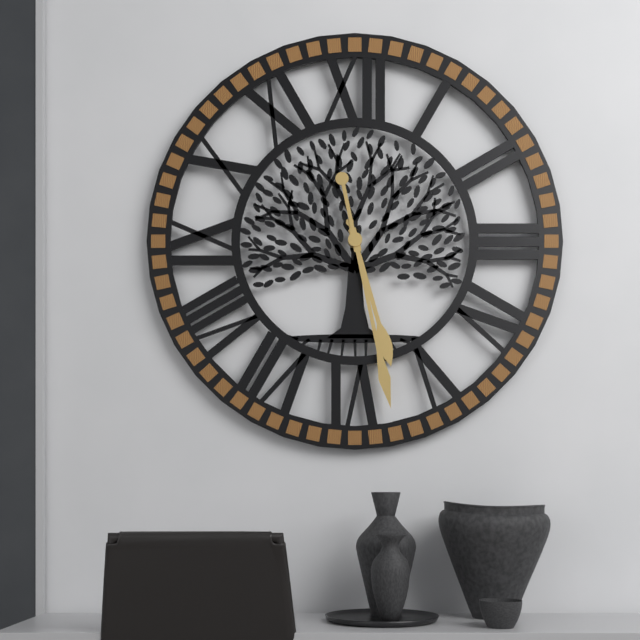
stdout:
5,28
